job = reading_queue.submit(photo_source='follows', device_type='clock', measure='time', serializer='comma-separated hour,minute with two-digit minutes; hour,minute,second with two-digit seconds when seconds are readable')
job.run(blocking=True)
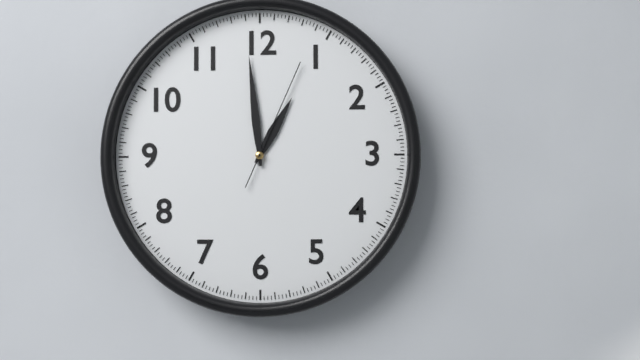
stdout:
12,59,04
